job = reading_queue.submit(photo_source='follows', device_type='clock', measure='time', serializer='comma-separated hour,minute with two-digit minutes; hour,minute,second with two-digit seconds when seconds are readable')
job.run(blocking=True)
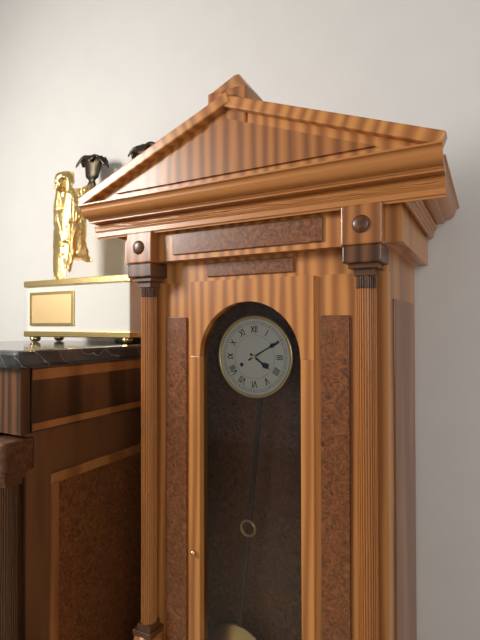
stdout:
4,10
